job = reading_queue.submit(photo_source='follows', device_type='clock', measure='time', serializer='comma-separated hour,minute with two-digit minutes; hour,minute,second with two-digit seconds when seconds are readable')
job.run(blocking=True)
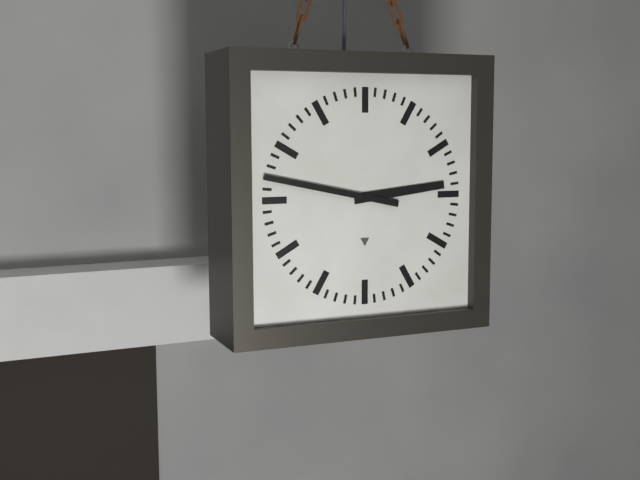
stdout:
2,47
